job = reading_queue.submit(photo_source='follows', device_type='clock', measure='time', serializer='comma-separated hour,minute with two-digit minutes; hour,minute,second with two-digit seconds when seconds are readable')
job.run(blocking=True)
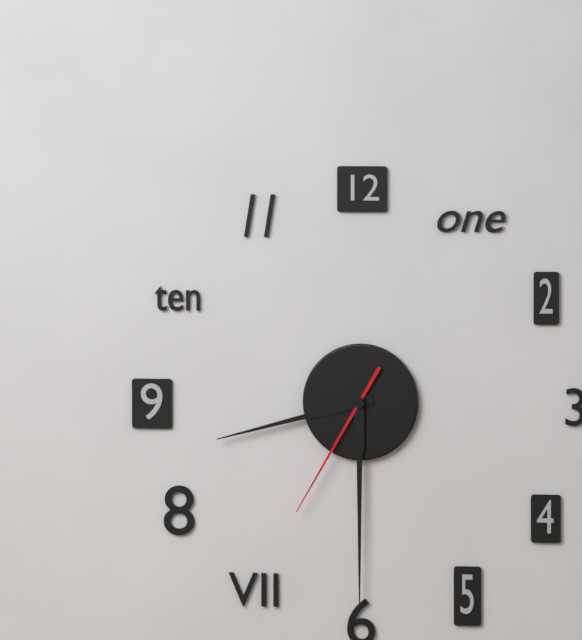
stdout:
8,30,35
